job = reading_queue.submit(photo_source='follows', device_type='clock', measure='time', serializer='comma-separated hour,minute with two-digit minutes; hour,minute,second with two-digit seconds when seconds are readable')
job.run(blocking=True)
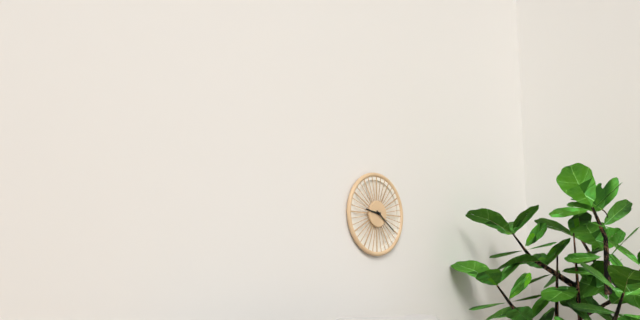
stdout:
9,21
